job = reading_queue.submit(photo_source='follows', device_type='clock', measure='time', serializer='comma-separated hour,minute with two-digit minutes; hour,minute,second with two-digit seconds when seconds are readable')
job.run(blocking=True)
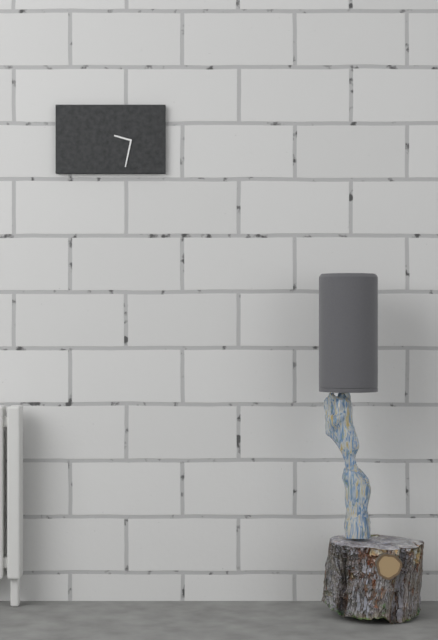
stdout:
9,32
